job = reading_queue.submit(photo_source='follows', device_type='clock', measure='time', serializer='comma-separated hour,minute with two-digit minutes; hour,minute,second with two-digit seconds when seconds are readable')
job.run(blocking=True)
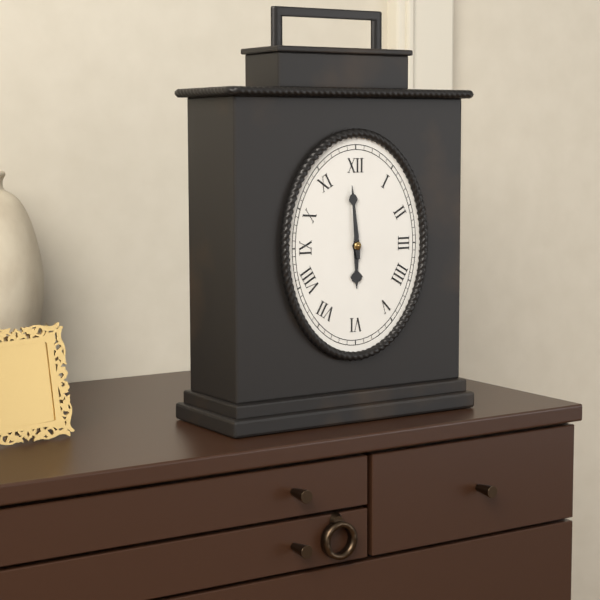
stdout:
5,59
